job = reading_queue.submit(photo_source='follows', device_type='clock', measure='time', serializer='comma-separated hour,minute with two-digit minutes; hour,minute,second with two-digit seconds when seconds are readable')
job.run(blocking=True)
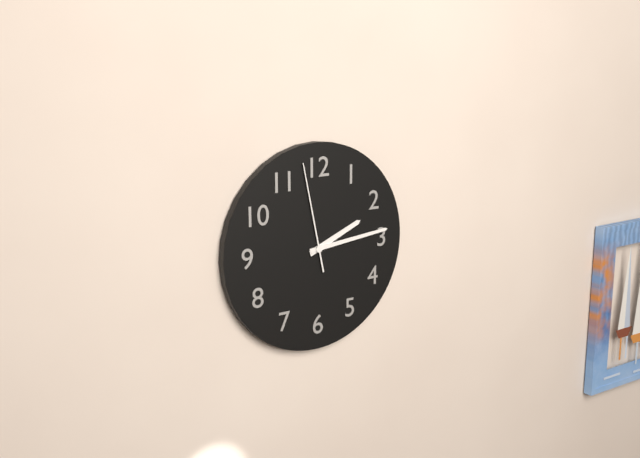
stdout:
2,14,58
